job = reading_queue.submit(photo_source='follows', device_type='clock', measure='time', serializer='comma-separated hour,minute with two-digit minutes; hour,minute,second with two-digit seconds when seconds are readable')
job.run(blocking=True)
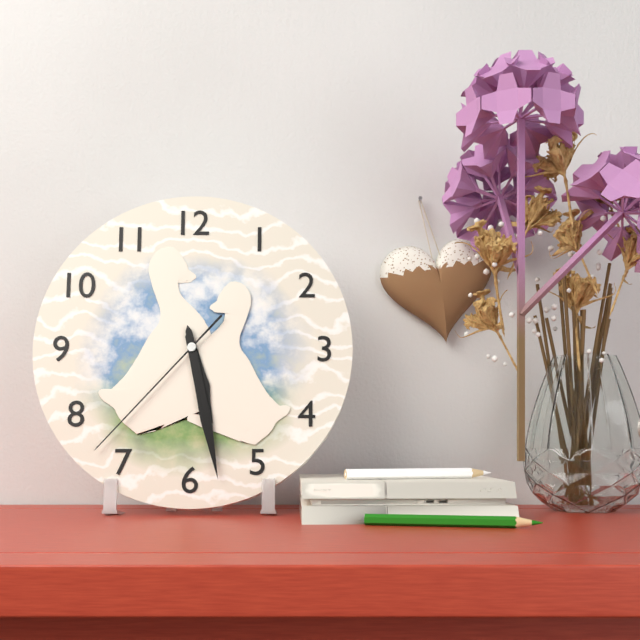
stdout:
5,28,37
